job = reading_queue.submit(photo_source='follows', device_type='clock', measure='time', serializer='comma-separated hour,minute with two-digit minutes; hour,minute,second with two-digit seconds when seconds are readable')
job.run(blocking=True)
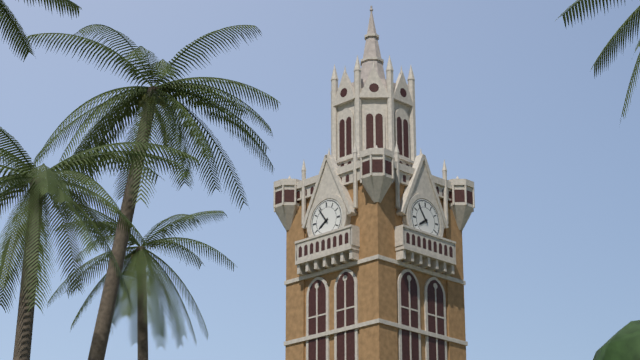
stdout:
7,54
